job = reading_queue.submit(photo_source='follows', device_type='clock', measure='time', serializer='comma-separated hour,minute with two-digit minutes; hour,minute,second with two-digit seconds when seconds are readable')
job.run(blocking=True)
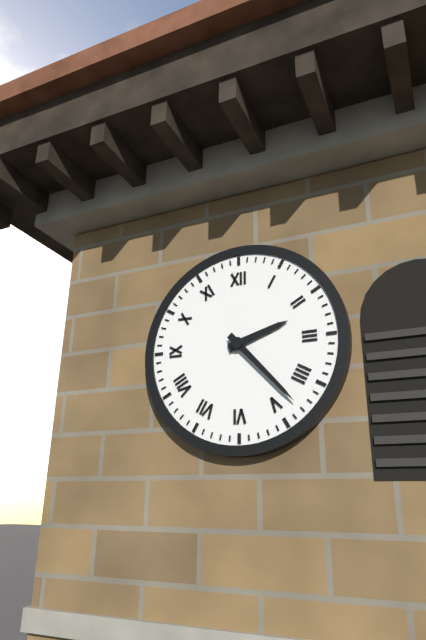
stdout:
2,23
